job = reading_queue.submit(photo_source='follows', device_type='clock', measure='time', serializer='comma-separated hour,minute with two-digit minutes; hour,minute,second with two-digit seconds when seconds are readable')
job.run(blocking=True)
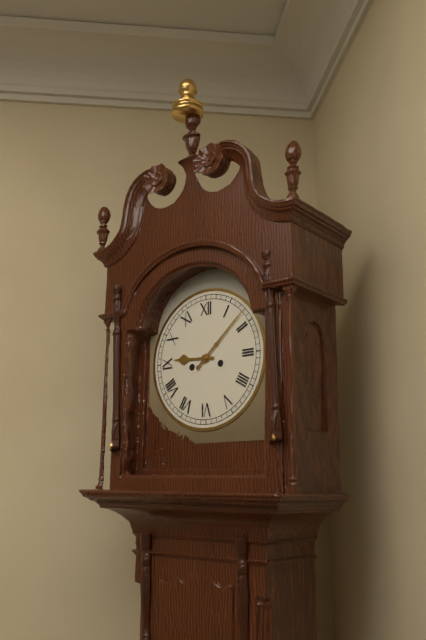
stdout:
9,08
